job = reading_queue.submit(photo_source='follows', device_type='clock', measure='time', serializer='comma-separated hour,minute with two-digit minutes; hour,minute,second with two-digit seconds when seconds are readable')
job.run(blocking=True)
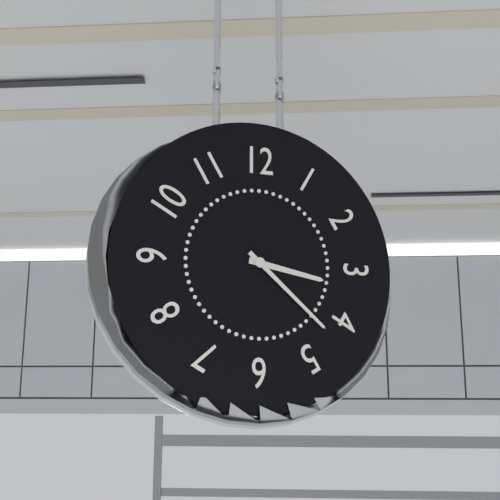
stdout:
3,22
